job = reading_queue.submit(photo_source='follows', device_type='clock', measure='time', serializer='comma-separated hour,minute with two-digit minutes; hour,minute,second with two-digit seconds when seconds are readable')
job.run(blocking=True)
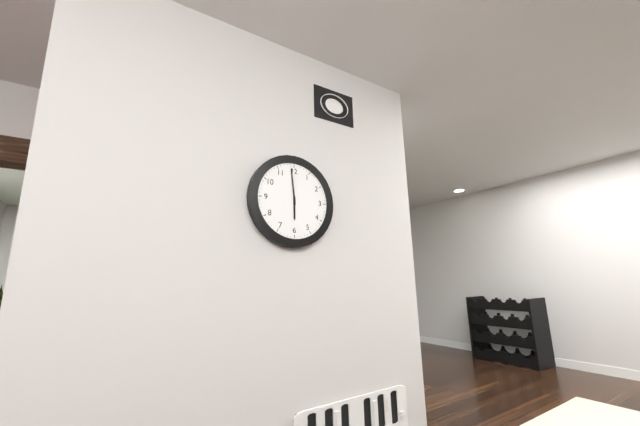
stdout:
5,59
